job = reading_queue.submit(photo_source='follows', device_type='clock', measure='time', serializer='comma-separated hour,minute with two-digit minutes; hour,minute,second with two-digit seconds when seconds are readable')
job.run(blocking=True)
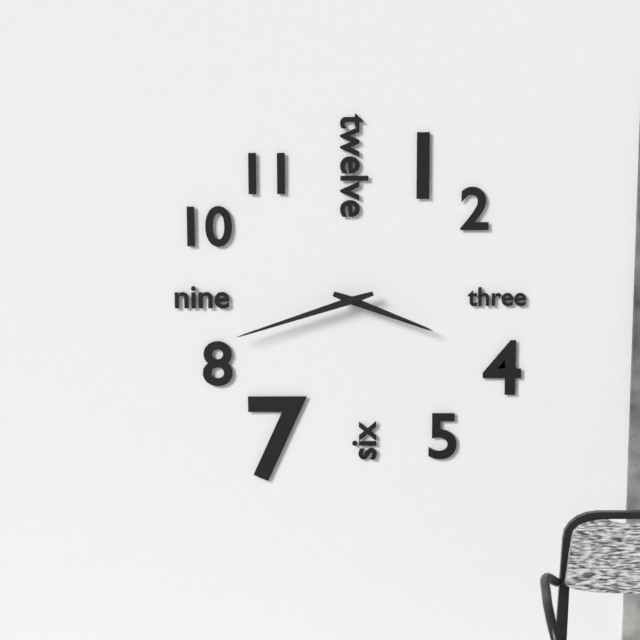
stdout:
3,42
